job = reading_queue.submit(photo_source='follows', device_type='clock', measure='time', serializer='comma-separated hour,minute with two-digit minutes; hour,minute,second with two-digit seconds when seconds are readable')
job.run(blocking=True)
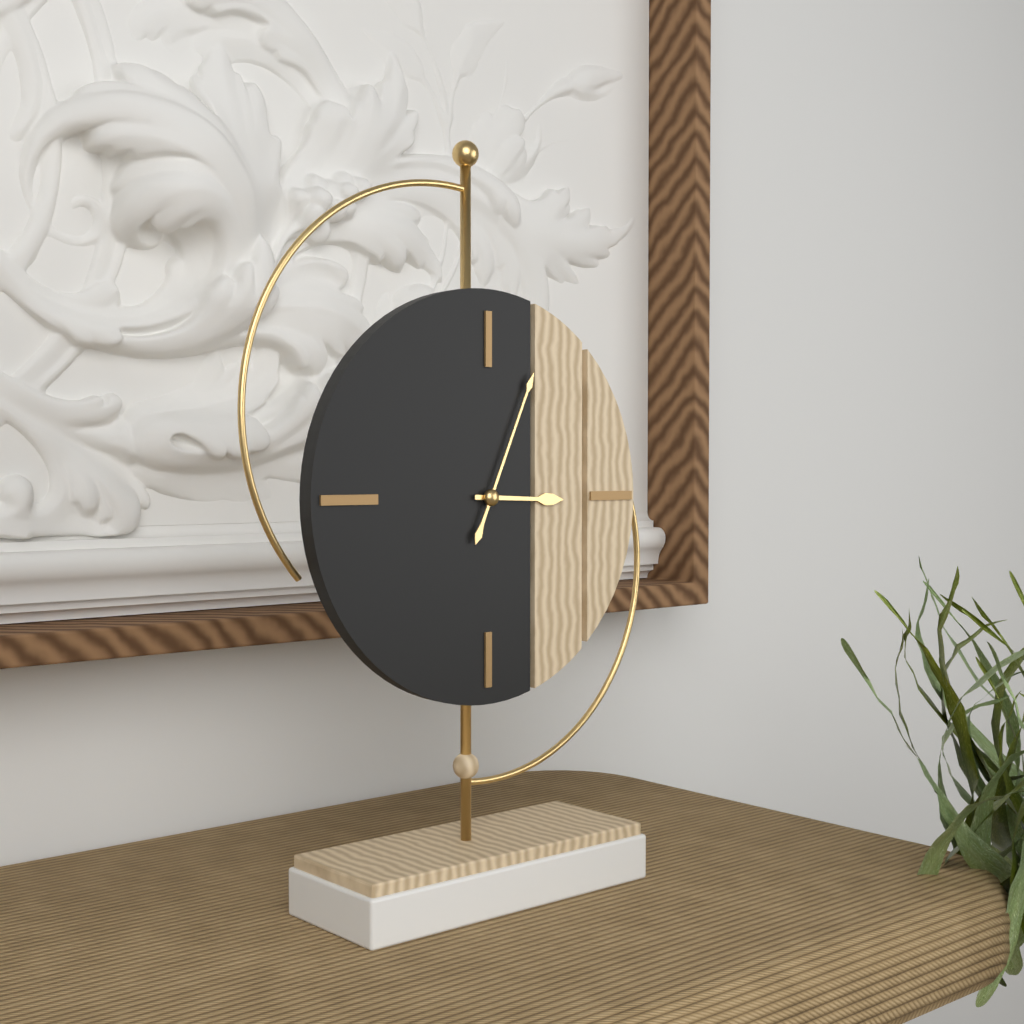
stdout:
3,04
